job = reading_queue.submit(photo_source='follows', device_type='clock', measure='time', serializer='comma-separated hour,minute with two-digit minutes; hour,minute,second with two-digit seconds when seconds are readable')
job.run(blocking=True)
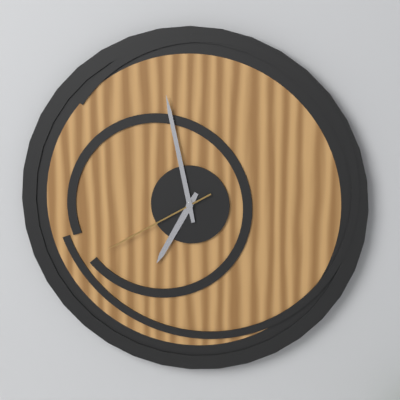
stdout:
6,58,40
